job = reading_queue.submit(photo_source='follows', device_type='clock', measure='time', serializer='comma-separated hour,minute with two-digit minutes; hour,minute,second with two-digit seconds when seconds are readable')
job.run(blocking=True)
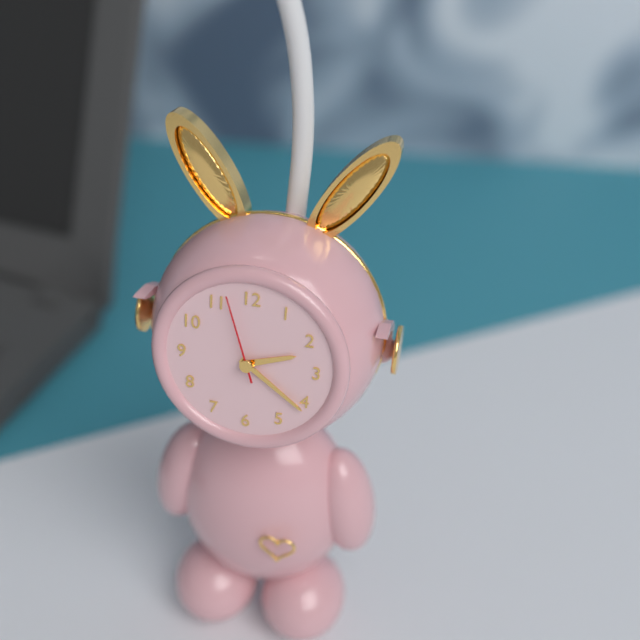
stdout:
2,21,57
